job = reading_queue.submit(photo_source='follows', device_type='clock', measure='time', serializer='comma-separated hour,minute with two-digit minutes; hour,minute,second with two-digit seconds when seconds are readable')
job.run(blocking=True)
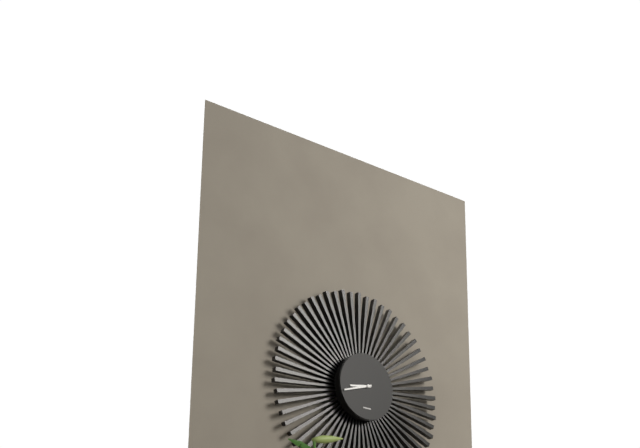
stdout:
8,42
